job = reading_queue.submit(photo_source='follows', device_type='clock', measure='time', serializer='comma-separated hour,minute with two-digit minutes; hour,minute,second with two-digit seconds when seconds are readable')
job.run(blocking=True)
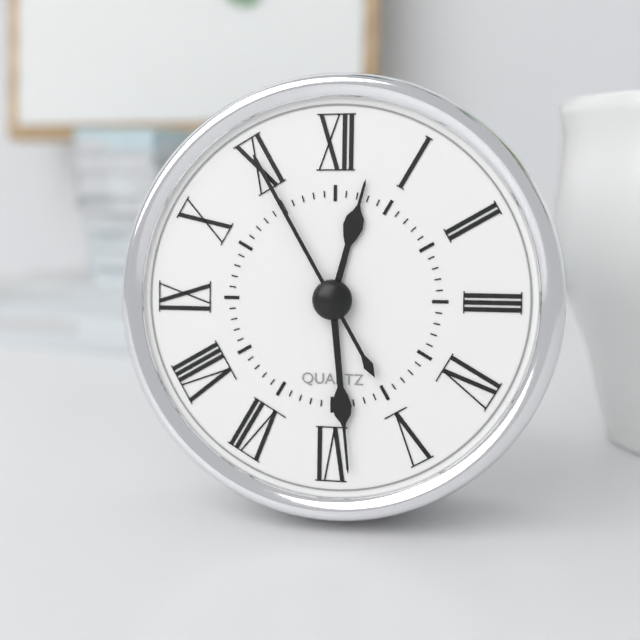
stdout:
12,29,55
